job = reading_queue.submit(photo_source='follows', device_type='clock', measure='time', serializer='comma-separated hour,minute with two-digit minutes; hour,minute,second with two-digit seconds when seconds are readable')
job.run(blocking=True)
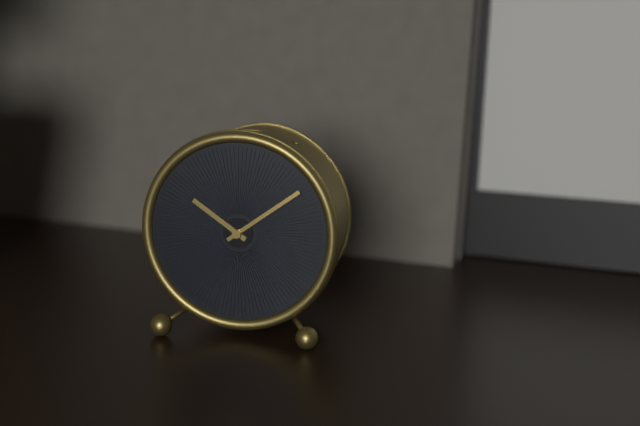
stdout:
10,09
